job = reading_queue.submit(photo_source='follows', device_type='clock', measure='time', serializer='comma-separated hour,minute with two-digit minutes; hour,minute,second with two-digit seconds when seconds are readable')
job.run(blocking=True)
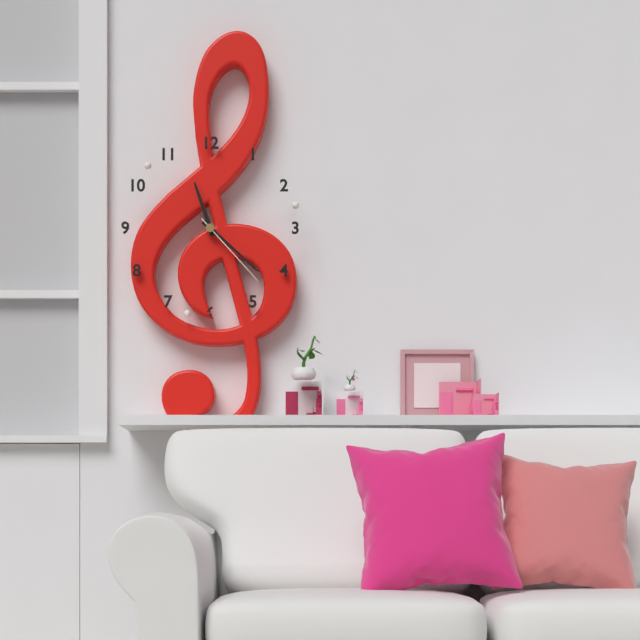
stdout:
11,22,23
